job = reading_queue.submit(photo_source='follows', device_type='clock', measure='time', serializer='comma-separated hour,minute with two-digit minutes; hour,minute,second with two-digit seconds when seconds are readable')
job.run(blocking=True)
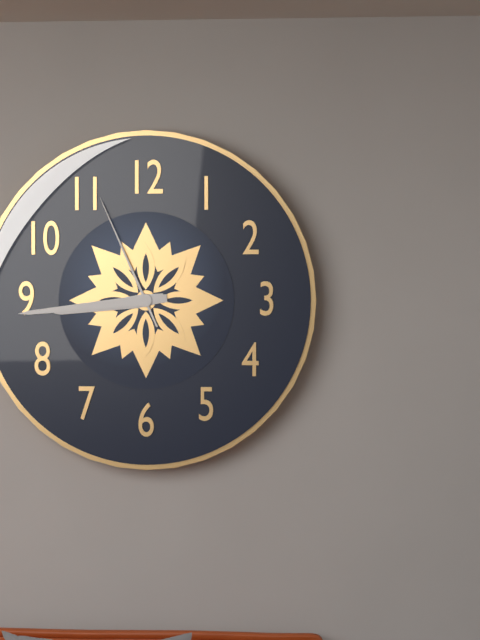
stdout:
8,44,56
